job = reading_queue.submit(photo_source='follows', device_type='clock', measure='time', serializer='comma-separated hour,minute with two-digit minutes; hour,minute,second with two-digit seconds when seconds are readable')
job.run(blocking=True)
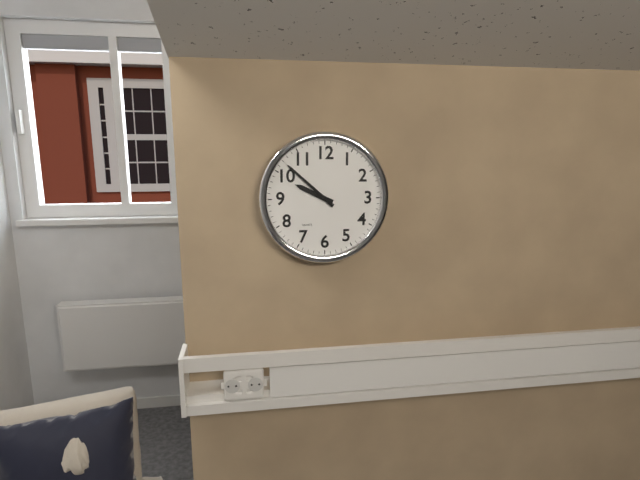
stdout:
9,52
